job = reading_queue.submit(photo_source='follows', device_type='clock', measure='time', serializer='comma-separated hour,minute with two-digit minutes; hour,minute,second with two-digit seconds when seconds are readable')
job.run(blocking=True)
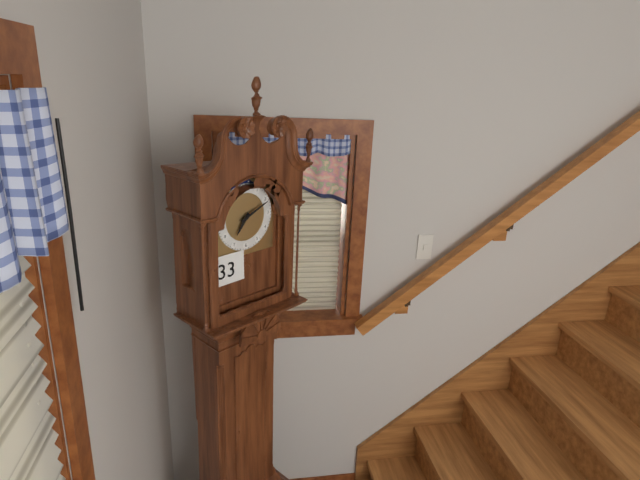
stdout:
7,11
